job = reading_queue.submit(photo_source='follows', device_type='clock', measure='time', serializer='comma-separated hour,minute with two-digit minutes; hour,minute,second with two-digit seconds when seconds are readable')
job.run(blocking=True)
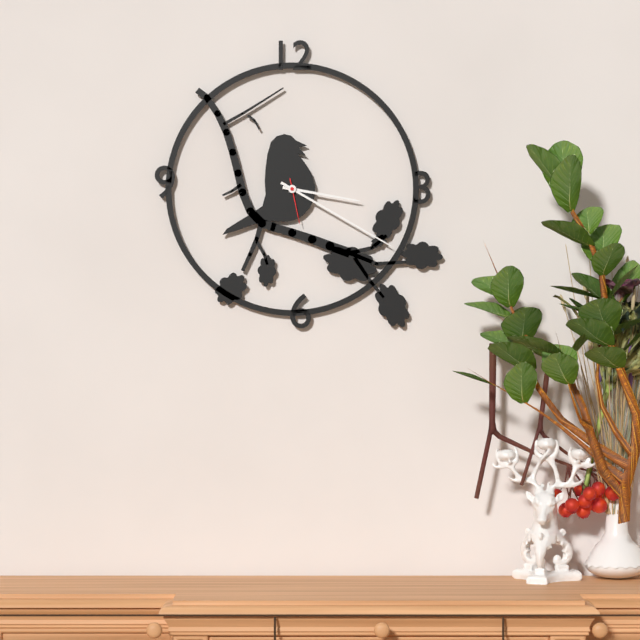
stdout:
3,20
